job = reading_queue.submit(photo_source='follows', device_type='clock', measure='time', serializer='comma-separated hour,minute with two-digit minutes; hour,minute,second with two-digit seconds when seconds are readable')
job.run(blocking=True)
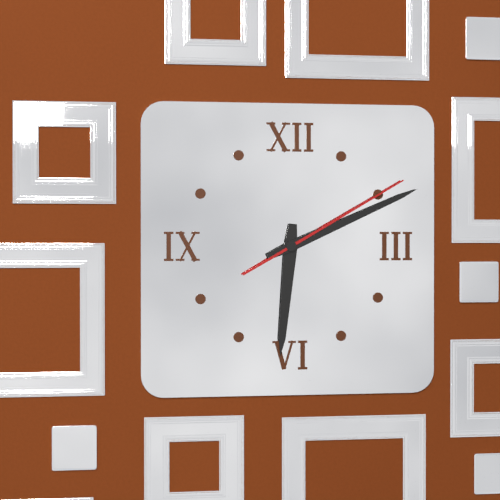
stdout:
6,11,10
